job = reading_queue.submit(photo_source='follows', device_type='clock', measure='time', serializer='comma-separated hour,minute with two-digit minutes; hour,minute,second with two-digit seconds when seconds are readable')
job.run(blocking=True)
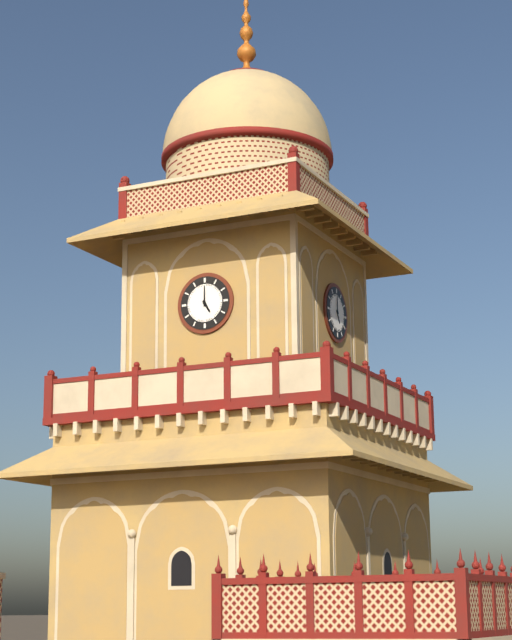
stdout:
5,00
